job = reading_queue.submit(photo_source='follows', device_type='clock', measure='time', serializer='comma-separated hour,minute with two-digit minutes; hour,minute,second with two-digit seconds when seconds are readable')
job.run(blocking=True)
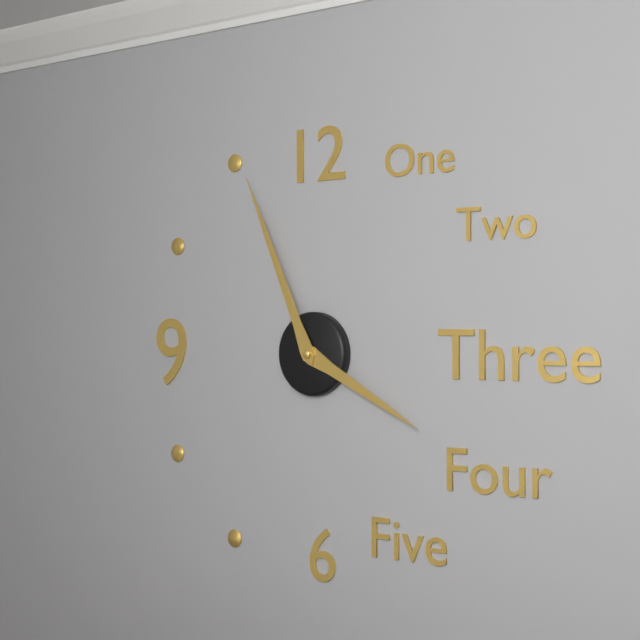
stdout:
3,56
